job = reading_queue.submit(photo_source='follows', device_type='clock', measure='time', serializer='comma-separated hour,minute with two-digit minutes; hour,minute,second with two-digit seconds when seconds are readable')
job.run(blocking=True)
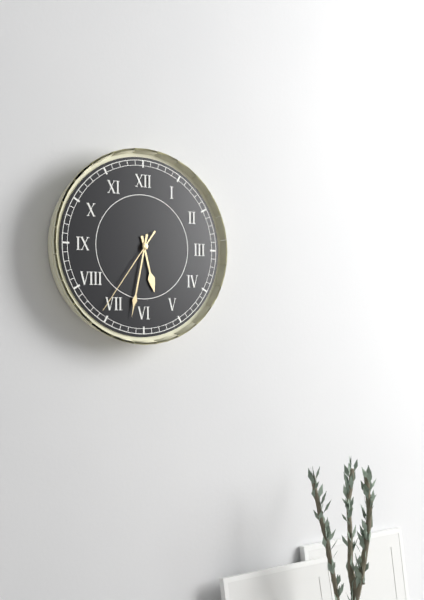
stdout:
5,32,36
